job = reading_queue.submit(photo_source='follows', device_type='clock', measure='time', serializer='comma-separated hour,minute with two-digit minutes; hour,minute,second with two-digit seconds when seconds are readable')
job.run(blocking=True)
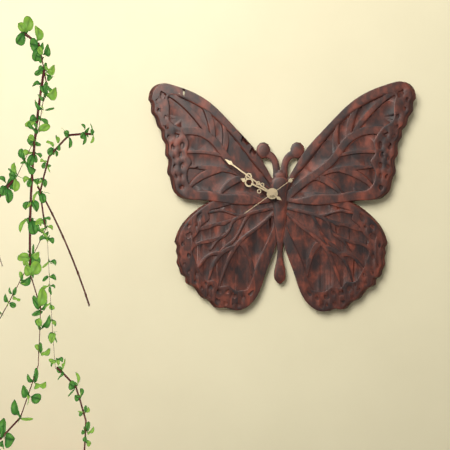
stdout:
9,51
